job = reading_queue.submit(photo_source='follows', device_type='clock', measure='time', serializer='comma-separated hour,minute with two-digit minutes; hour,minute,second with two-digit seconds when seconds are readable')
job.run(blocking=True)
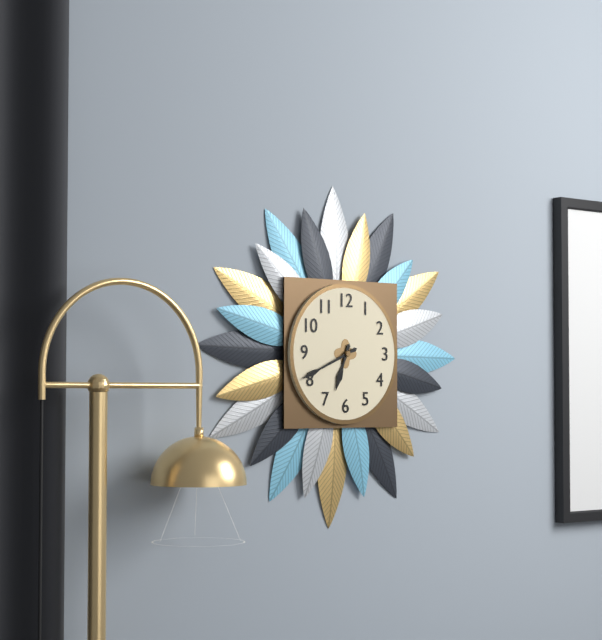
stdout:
6,41
